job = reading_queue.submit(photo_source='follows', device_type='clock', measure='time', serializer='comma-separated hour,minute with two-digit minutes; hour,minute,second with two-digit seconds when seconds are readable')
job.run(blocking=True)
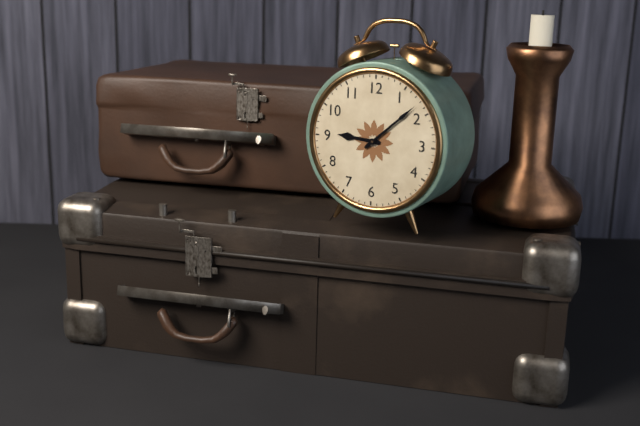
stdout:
9,08
